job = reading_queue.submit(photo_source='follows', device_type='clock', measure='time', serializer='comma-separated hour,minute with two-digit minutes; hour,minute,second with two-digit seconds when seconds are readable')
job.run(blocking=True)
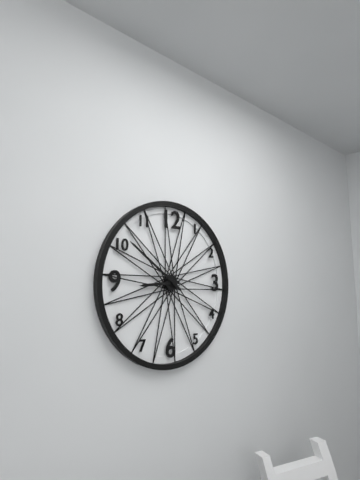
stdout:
8,51
